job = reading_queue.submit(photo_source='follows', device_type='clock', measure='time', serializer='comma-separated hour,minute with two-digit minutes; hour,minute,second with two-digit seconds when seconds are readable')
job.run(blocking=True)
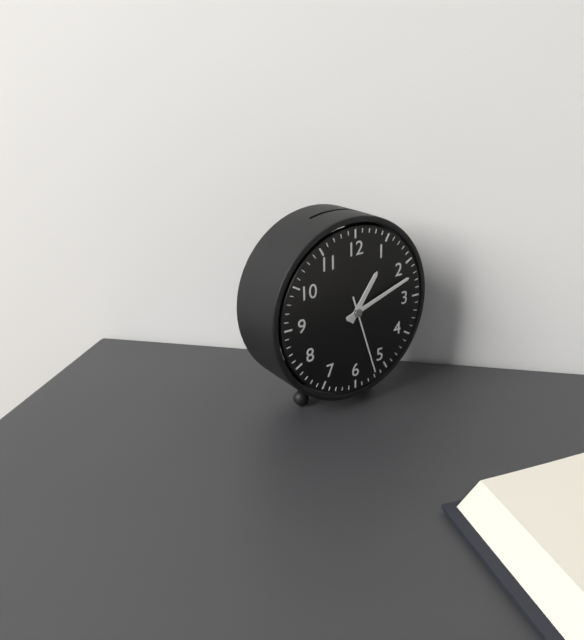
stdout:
1,12,27
